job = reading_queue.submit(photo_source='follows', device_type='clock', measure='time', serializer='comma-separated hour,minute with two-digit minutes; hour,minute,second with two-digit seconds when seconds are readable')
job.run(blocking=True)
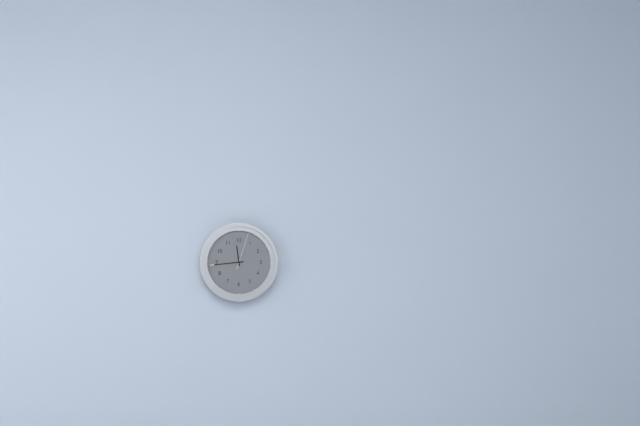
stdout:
11,44
